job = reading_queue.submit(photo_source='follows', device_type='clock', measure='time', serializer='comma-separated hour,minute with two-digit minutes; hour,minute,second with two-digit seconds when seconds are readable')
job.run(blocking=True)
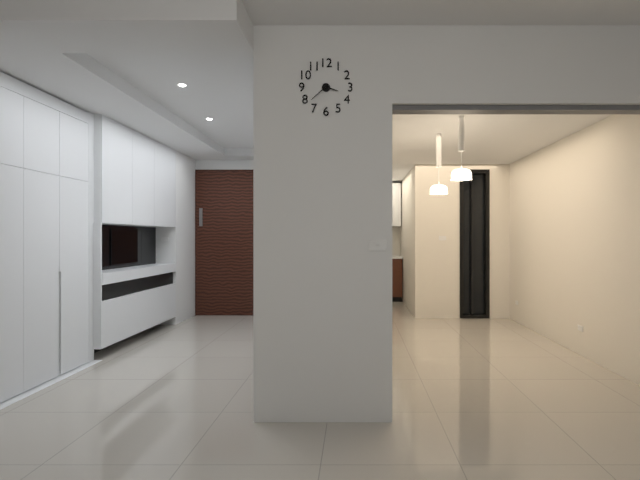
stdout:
3,38
